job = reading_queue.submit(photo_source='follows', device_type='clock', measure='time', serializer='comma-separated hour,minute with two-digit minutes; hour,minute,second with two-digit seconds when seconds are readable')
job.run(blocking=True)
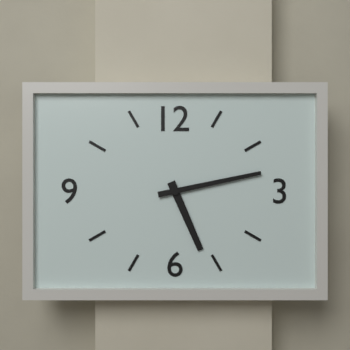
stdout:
5,13
